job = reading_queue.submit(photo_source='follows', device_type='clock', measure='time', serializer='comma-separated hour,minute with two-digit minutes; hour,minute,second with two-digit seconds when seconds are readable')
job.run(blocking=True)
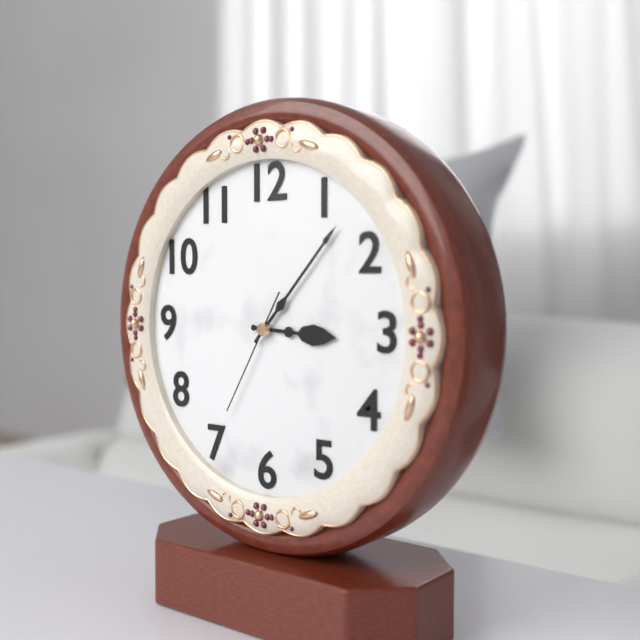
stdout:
3,07,35
